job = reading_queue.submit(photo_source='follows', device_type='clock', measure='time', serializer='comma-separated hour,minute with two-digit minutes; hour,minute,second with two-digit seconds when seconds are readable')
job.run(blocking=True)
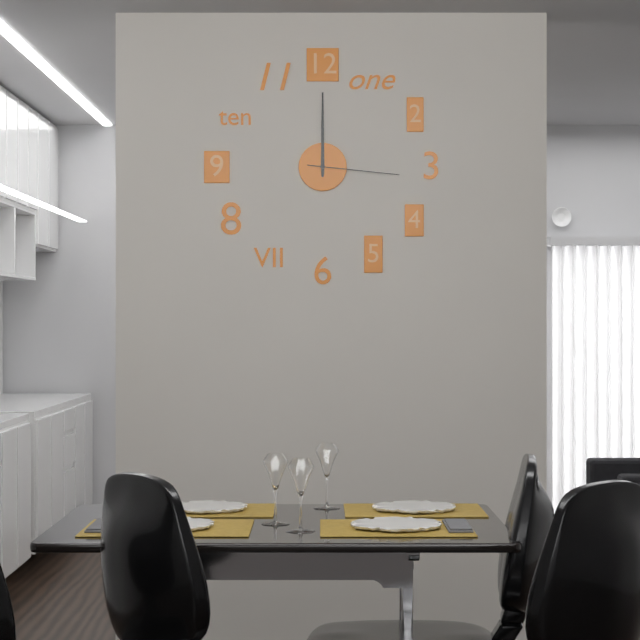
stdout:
12,00,16
